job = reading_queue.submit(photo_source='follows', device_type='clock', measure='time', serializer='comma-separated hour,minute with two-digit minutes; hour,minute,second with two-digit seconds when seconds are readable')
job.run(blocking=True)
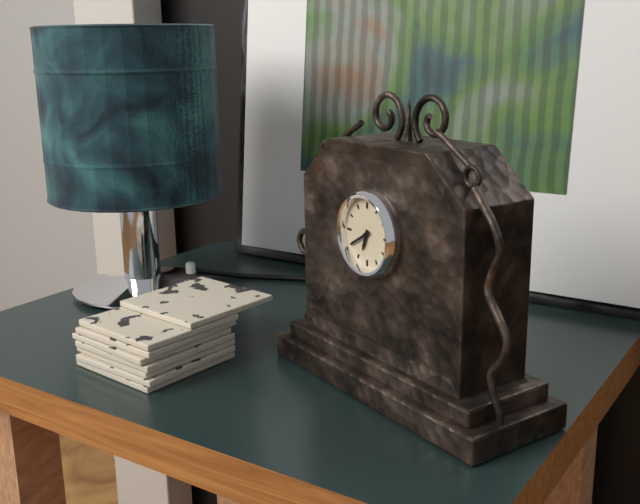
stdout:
6,40
